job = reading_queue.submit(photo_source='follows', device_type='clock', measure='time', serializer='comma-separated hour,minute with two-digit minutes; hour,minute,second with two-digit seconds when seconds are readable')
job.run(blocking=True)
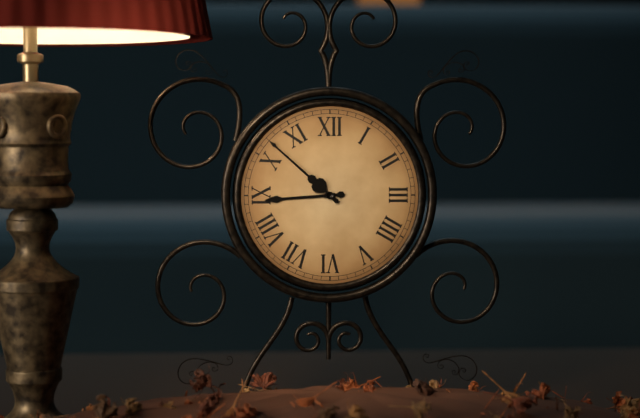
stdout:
8,52
